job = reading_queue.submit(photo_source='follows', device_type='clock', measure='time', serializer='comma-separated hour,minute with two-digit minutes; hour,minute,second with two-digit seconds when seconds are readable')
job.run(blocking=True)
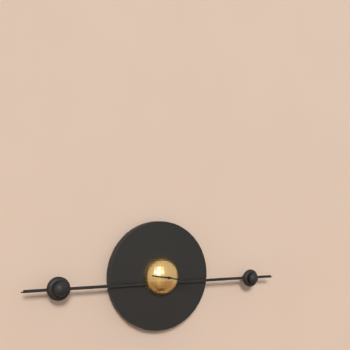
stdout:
9,17
